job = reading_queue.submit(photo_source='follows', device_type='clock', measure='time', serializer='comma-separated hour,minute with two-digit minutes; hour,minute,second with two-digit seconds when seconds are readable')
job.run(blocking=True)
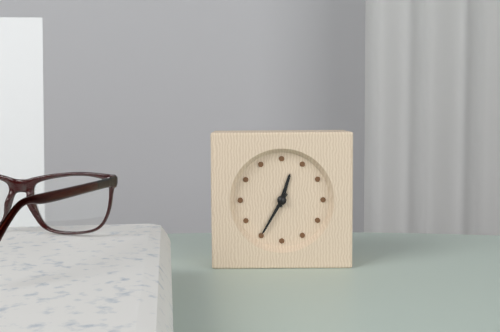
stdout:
12,35
